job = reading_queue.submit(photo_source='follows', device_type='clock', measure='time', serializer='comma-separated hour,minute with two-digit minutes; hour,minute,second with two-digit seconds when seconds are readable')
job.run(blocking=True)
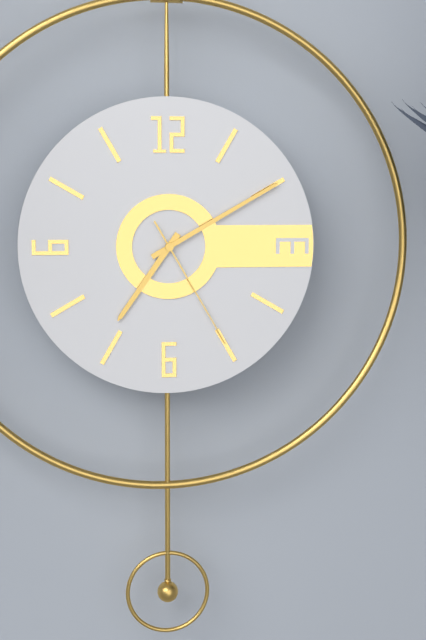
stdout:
7,10,25
